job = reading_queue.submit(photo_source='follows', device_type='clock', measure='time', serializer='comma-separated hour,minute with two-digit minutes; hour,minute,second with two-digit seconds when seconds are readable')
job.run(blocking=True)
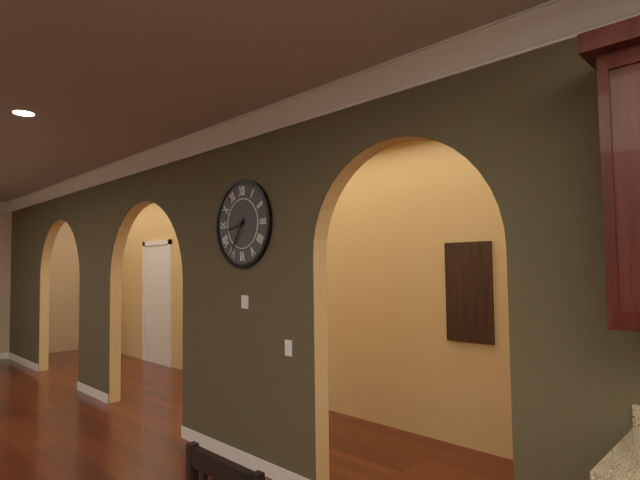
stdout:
8,35
